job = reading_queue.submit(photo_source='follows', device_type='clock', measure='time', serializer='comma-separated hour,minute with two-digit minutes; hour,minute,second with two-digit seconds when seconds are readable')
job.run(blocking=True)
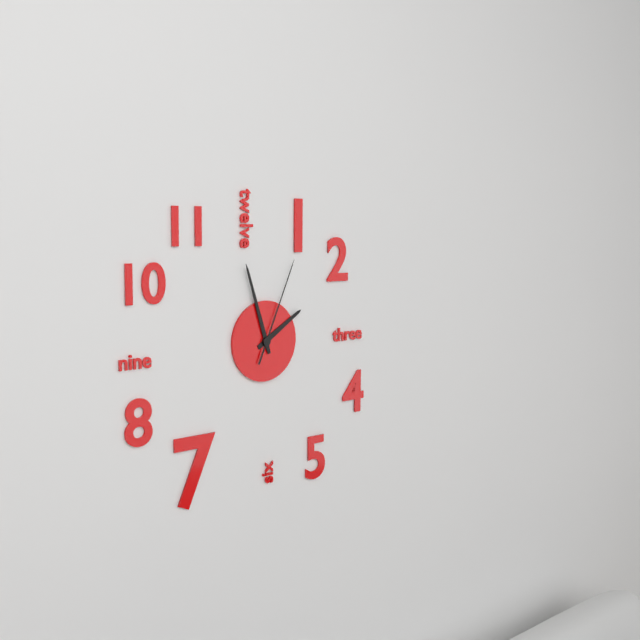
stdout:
1,57,04
